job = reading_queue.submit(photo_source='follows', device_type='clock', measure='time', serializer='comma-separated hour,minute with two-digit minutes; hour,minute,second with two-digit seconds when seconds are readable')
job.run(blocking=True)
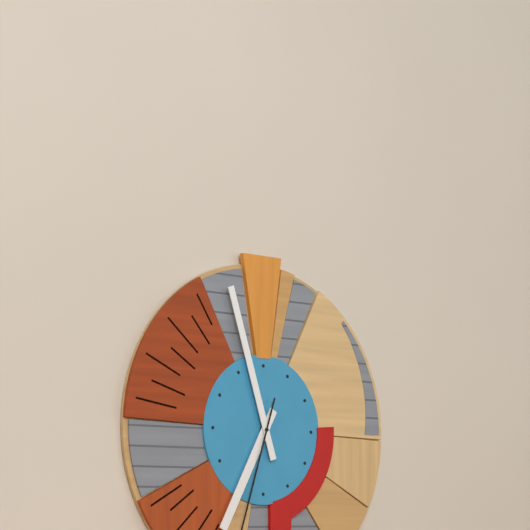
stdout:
6,57
